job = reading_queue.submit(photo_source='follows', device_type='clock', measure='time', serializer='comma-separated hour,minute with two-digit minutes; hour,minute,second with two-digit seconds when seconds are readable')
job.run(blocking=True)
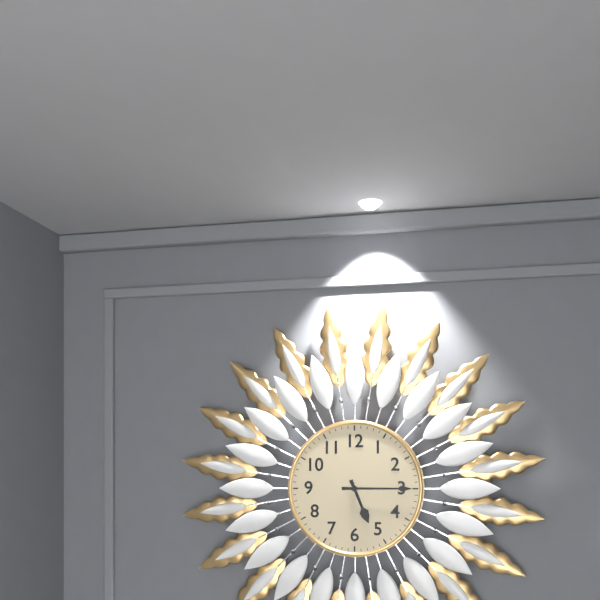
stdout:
5,15
